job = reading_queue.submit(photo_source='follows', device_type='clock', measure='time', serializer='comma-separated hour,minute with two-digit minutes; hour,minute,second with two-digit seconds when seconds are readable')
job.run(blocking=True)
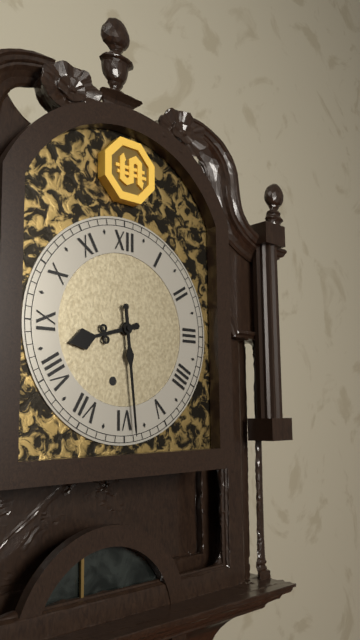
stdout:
8,29
